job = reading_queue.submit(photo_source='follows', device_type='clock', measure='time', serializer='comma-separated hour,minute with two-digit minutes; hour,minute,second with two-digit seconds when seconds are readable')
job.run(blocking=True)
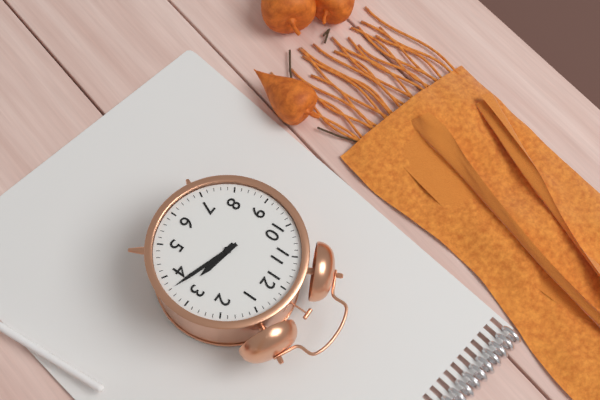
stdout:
3,18
